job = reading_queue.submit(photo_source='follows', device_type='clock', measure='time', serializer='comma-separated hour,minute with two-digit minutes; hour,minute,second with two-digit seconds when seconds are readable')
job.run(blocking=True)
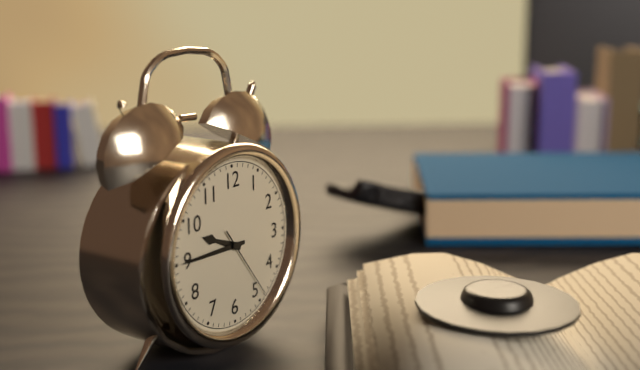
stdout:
9,45,24
